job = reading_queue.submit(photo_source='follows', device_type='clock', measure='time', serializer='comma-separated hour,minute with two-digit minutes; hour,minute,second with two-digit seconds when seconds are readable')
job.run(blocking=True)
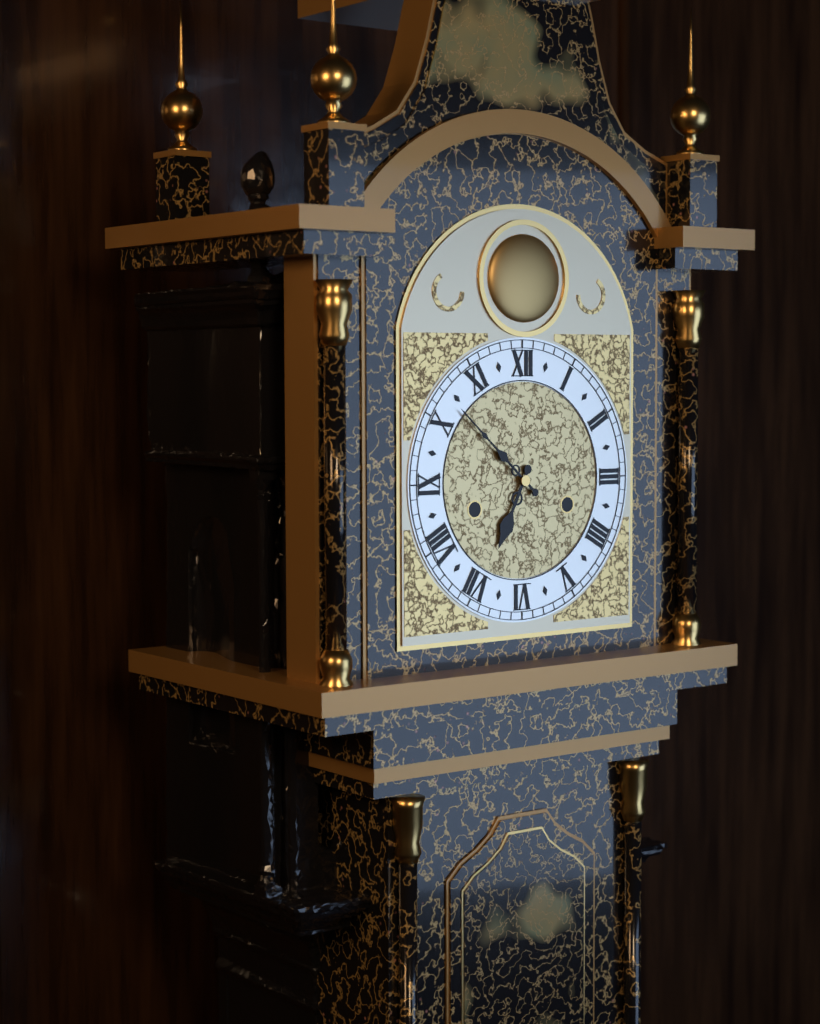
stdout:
6,52
